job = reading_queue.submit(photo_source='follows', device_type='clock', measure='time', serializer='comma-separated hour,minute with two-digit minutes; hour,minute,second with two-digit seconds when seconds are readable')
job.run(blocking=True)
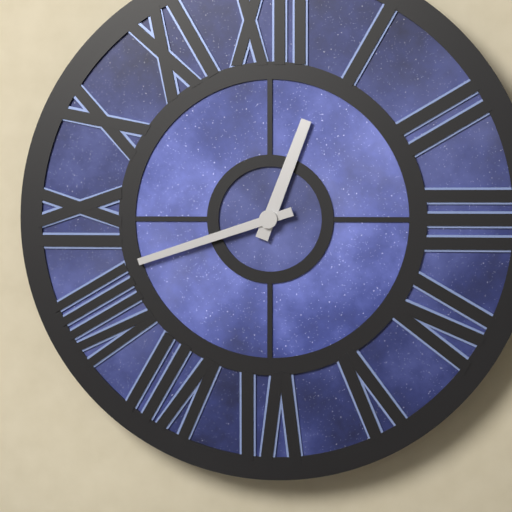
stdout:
12,42
